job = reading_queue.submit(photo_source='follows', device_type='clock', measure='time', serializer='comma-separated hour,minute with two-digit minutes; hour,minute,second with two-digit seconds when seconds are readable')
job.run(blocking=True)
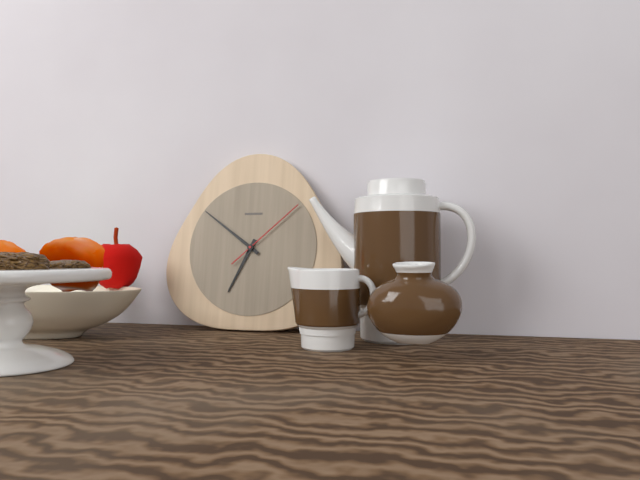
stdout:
6,51,08
